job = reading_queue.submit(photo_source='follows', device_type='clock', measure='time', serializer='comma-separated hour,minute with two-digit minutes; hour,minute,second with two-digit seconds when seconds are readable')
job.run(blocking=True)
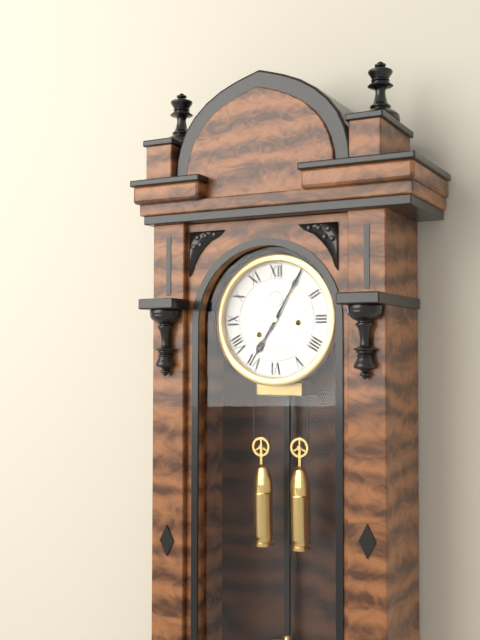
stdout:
7,05
